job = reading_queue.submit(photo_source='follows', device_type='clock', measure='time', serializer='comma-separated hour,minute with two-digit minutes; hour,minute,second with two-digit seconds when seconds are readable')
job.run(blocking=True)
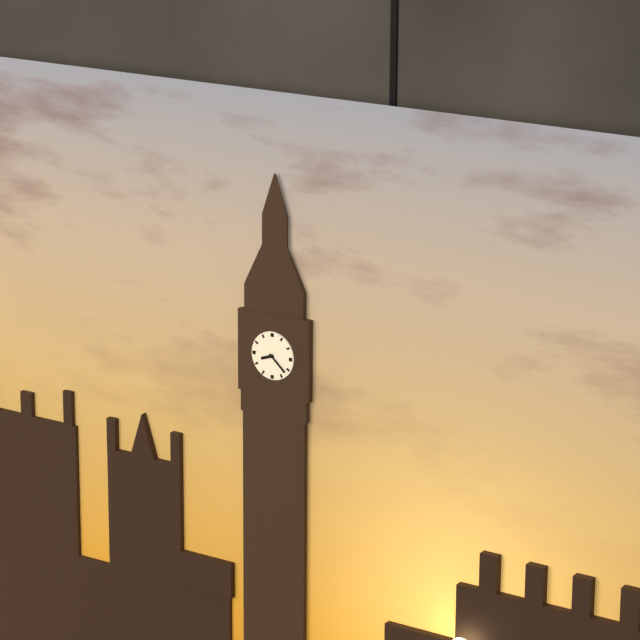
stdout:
8,22
